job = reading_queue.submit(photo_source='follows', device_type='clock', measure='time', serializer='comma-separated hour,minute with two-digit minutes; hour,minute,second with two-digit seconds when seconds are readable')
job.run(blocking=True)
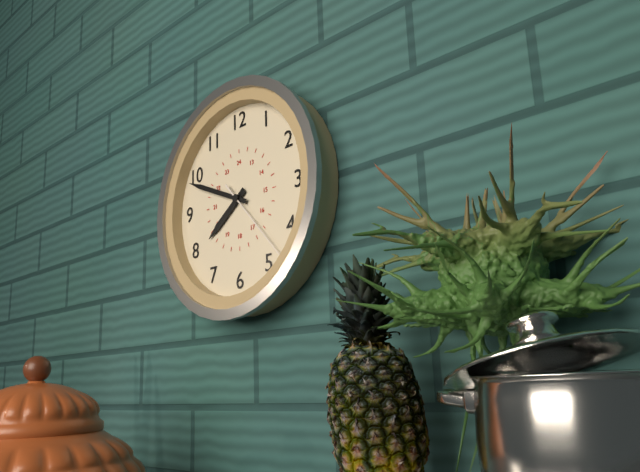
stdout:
7,49,23
